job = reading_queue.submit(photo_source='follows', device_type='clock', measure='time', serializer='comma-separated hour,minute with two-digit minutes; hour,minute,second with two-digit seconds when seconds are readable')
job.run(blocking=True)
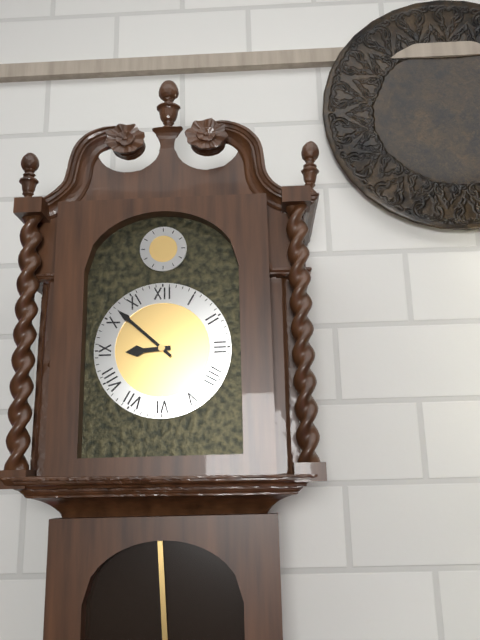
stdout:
8,52
